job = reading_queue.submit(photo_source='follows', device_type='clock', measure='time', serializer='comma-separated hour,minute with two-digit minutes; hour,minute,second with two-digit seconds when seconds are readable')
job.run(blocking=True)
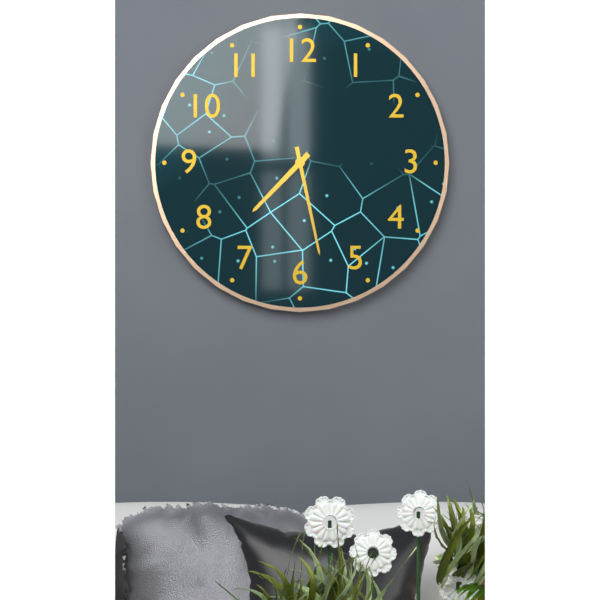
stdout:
7,28
